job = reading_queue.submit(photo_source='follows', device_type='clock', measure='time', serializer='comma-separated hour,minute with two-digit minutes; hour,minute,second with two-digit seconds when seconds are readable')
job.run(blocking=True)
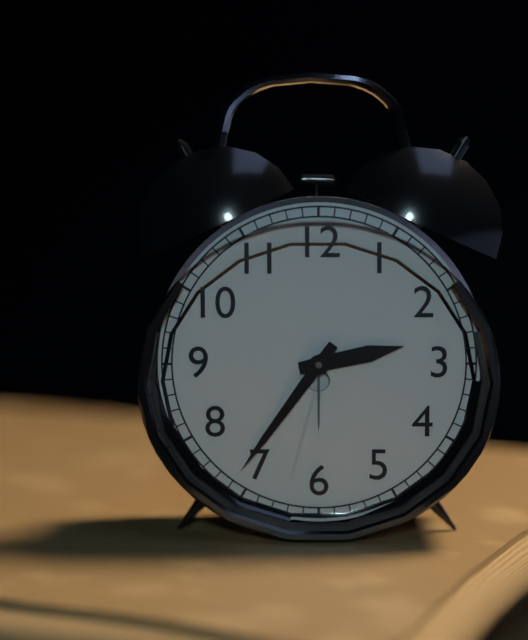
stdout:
2,36
